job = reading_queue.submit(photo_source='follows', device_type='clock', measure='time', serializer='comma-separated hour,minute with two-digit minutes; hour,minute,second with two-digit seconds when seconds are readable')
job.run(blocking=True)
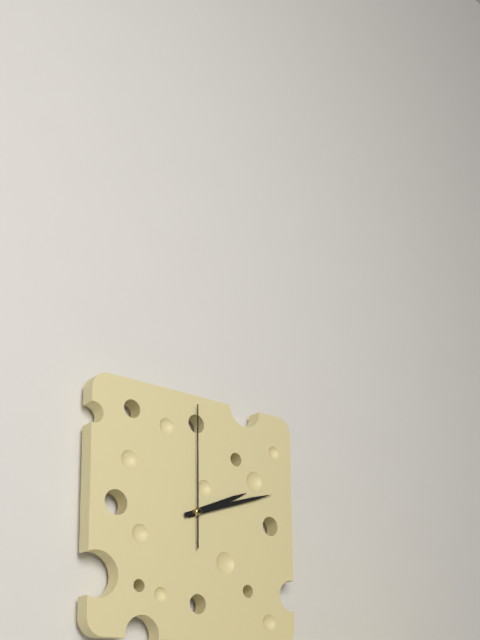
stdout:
2,12,00
